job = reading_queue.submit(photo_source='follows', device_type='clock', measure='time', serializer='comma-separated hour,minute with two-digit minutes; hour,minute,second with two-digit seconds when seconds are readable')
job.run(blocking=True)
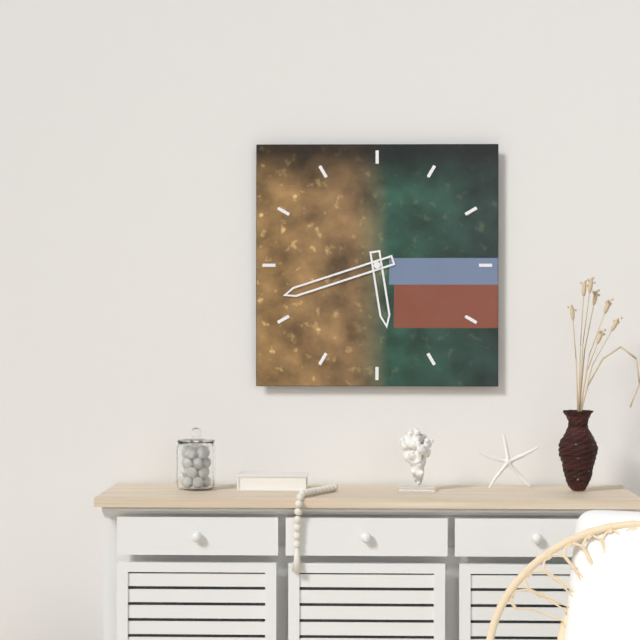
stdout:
5,42
